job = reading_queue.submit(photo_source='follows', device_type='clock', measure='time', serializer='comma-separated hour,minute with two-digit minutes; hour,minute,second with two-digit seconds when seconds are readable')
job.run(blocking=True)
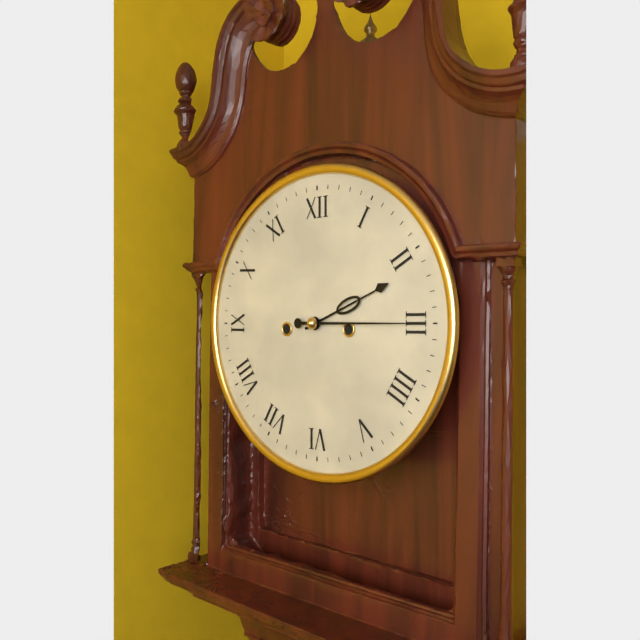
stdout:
2,15
